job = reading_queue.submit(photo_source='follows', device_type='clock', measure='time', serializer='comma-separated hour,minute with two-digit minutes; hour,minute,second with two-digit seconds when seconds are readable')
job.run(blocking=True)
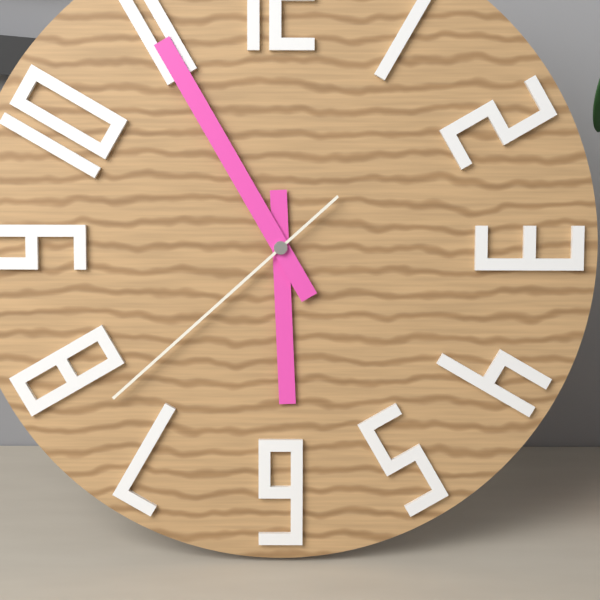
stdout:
5,55,38
